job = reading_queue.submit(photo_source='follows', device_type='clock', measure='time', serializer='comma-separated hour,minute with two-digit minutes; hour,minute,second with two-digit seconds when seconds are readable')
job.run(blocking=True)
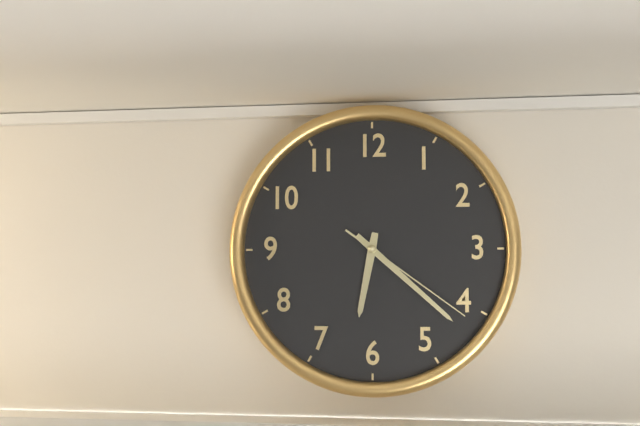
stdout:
6,22,21
